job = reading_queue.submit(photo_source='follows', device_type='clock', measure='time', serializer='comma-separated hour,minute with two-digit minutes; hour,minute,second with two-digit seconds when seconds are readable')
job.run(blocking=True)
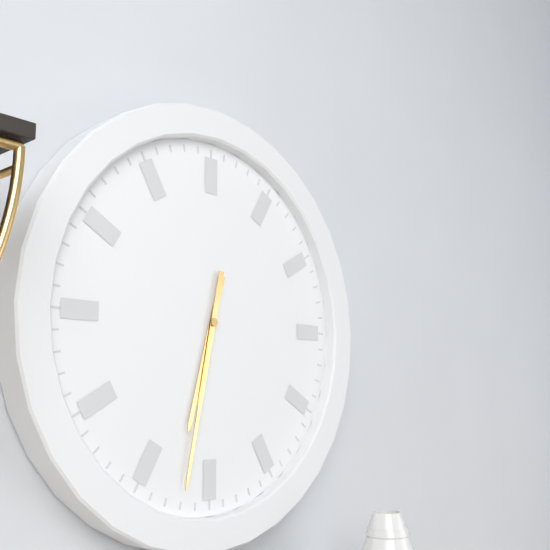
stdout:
6,32
